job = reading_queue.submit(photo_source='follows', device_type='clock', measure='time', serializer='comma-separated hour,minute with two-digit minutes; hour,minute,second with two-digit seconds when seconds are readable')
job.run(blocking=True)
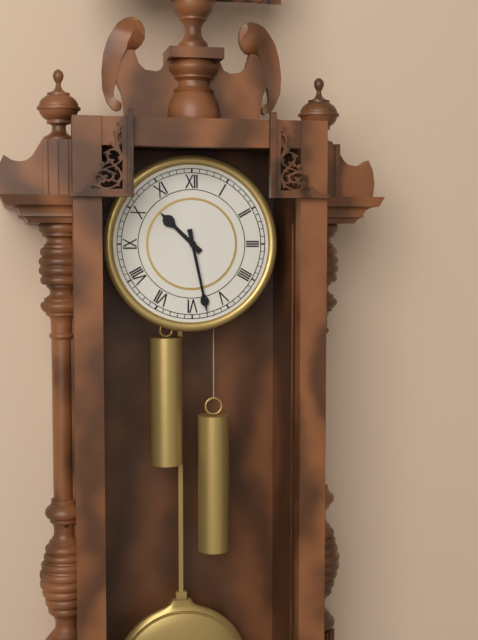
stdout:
10,28
